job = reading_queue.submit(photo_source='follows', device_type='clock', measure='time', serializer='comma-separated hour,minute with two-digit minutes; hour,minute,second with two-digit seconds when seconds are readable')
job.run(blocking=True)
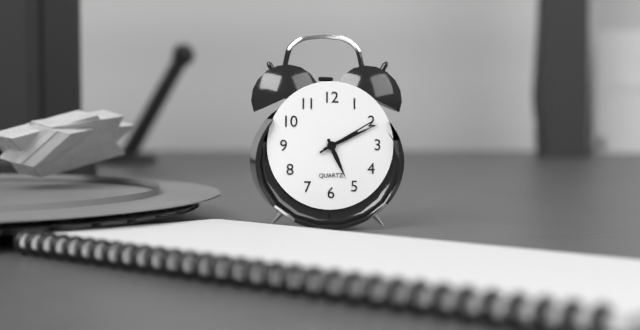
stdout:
5,11,10
